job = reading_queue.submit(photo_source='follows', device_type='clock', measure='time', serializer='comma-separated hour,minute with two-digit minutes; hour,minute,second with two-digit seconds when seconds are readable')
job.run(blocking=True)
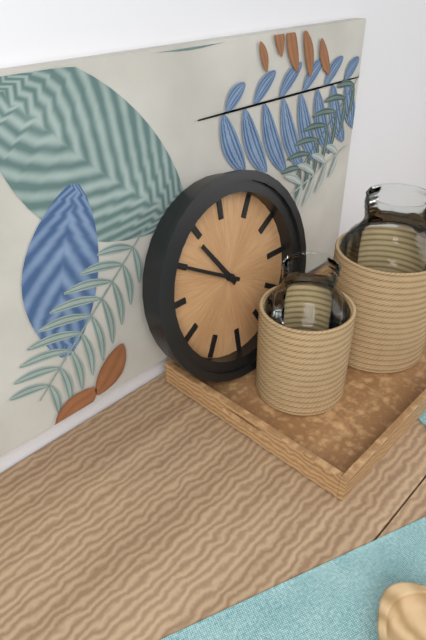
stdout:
10,50
